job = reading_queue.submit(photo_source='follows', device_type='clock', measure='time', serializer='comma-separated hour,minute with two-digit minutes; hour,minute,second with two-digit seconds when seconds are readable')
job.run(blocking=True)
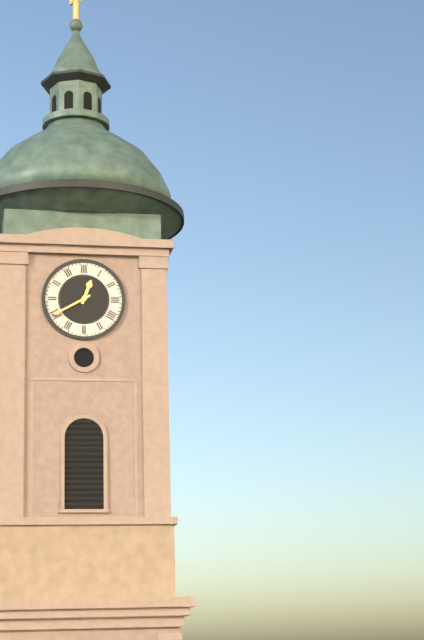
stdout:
12,40
